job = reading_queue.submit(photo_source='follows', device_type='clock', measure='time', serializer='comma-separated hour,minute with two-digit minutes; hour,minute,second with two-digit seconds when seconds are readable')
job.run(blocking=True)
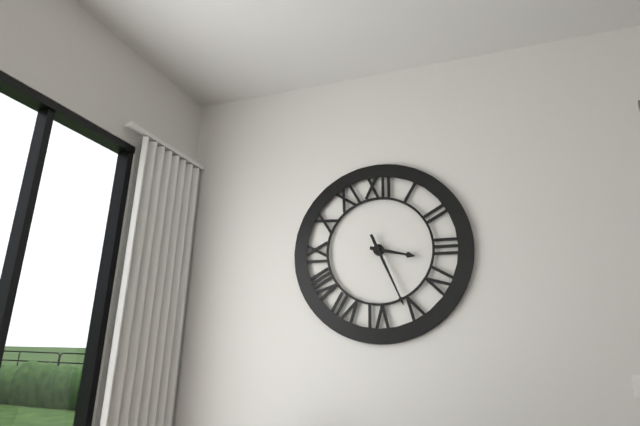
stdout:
3,26
